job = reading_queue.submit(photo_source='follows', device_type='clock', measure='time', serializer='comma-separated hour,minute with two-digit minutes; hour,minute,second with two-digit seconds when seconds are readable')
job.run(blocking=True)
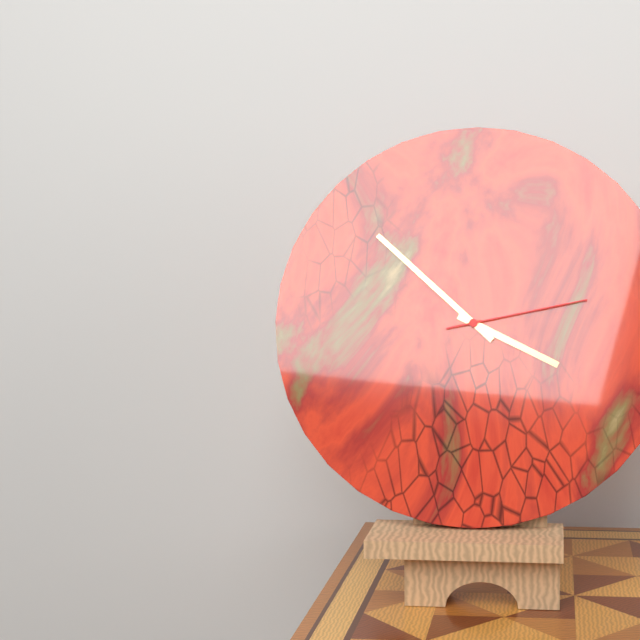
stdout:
3,52,13
